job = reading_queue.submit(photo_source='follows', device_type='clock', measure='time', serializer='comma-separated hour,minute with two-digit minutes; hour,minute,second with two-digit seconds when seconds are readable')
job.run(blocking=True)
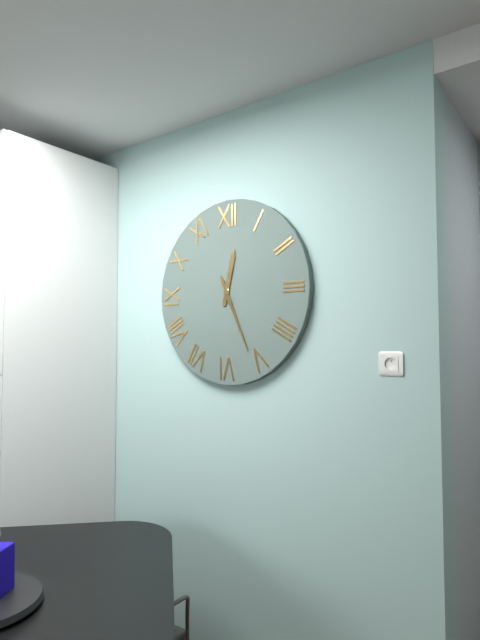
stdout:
12,26
